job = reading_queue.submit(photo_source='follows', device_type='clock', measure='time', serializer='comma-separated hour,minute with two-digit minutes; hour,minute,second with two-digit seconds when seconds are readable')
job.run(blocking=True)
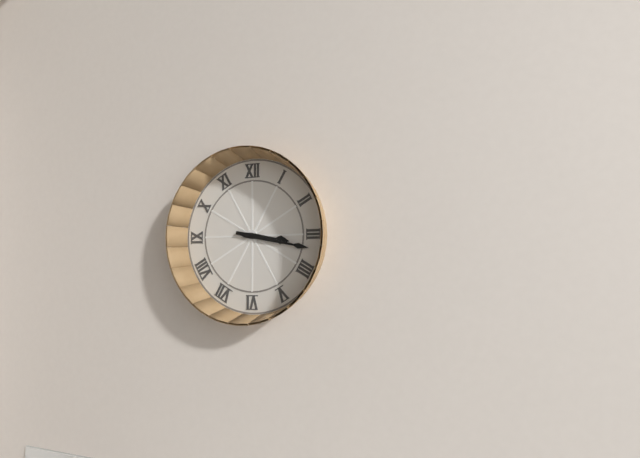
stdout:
3,17
